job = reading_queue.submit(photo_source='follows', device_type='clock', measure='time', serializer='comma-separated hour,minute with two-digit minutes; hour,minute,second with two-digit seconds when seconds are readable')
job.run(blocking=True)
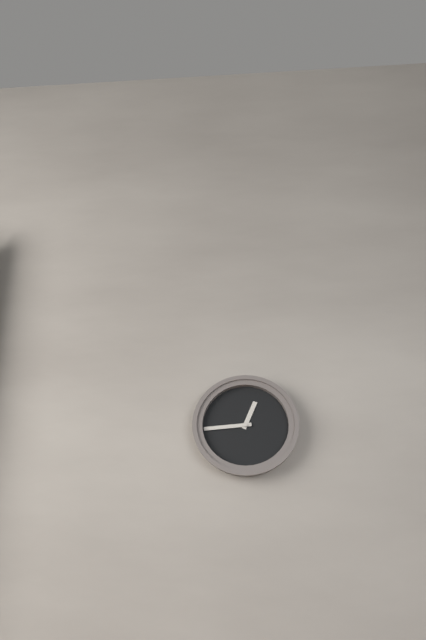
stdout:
12,44
